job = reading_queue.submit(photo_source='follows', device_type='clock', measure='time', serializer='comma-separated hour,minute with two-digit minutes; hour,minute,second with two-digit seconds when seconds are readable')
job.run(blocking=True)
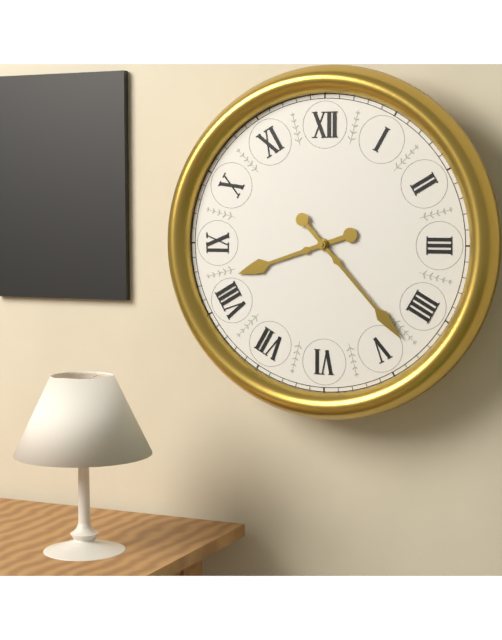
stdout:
8,23
